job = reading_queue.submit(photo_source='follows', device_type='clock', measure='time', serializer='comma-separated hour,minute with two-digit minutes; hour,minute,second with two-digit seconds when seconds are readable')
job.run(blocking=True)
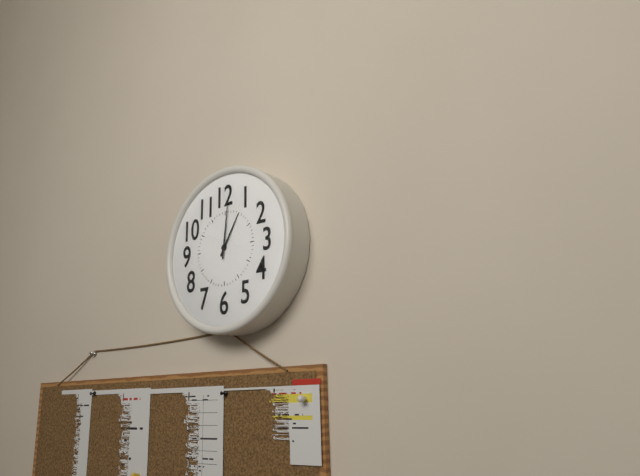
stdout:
1,01
